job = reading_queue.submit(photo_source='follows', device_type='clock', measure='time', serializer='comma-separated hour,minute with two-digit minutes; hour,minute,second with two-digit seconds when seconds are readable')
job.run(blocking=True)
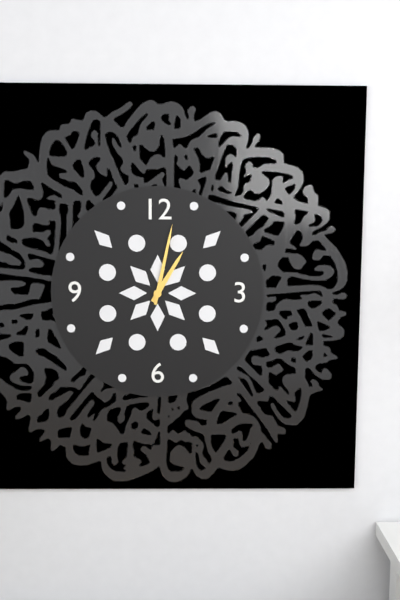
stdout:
1,02
